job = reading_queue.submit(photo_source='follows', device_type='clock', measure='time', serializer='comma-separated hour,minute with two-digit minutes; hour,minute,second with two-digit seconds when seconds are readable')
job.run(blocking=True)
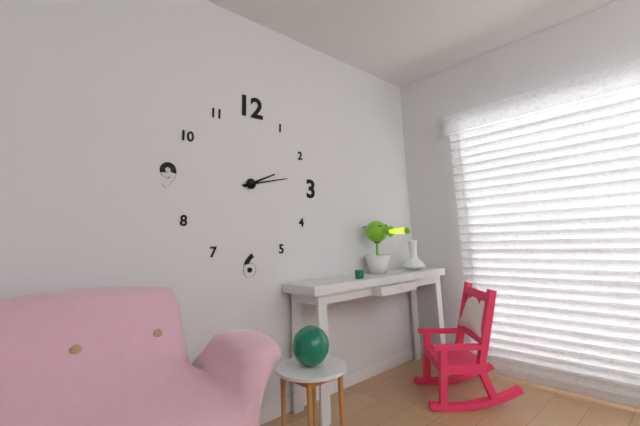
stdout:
2,13
